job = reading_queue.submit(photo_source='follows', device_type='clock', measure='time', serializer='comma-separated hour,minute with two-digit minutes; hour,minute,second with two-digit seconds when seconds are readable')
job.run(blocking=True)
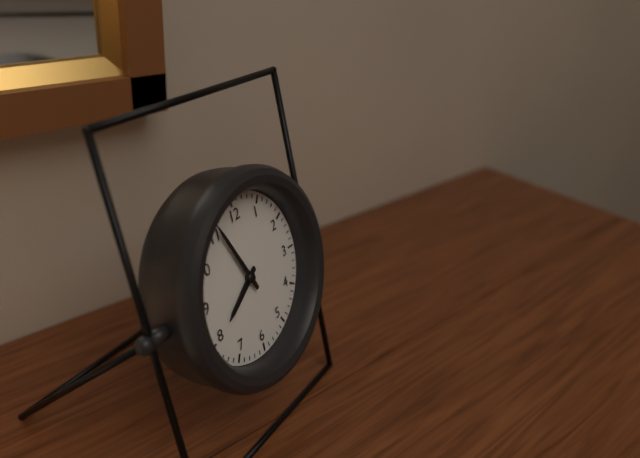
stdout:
7,56
